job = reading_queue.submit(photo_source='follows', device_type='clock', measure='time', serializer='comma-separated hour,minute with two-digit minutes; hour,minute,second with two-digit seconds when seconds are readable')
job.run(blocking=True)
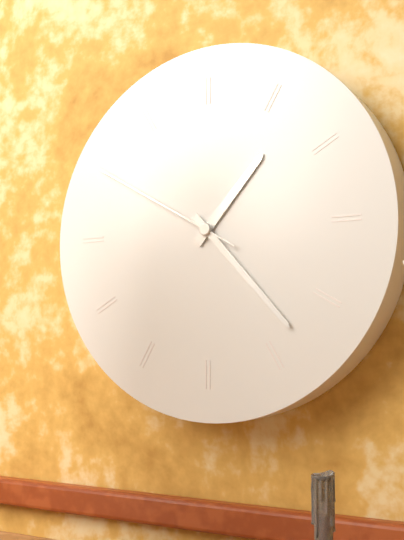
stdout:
1,23,50
